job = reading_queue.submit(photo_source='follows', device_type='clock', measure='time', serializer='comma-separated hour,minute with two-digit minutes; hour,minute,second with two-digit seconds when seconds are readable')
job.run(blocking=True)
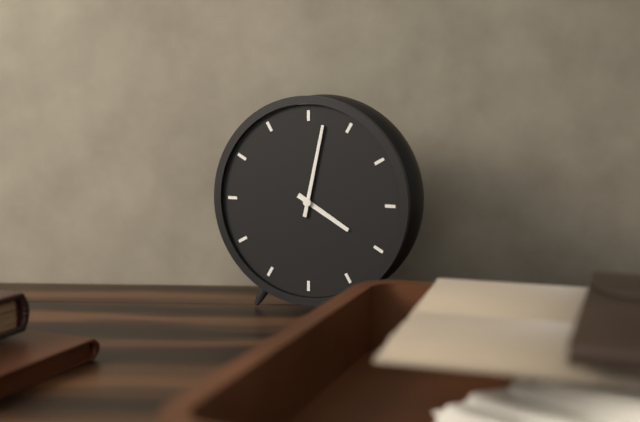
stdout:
4,02
